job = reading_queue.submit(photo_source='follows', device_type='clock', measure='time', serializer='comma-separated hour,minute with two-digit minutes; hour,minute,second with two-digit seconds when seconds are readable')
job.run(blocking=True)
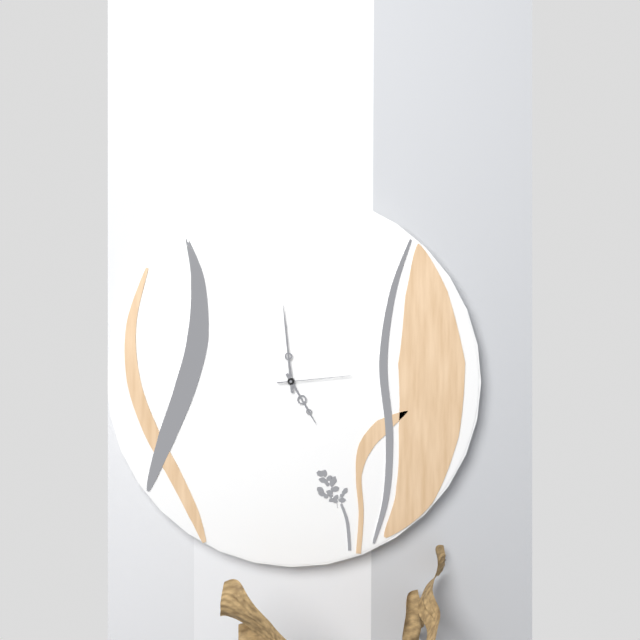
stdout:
4,59,14
